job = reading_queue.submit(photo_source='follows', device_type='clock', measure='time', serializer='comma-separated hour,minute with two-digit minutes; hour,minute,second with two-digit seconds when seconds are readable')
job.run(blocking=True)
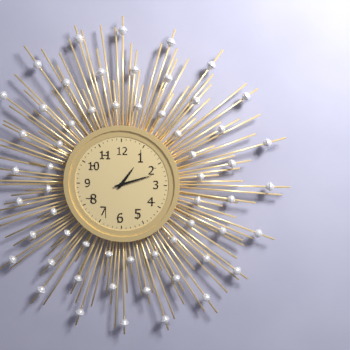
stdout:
1,12
